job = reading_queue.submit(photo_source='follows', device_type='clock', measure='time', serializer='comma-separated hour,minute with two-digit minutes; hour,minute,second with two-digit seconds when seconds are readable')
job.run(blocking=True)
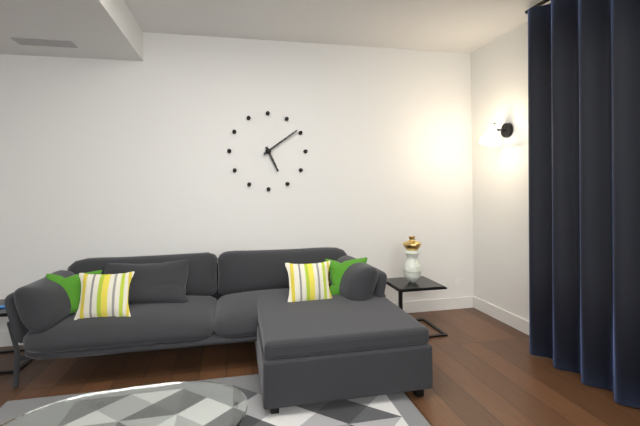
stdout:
5,09
